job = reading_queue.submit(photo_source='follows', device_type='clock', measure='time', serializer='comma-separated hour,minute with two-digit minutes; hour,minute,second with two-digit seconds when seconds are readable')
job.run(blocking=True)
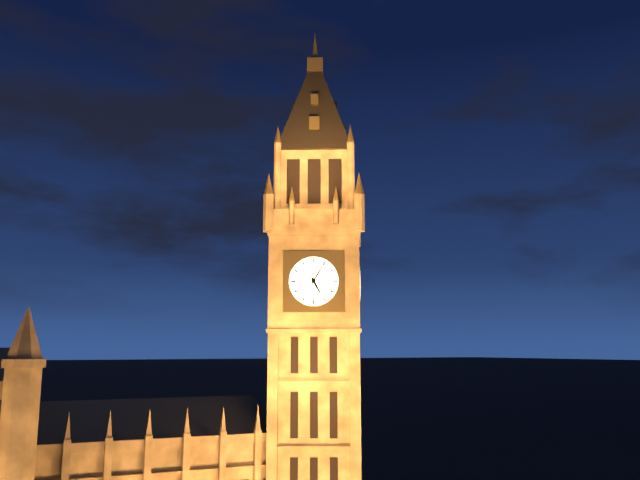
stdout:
5,05
